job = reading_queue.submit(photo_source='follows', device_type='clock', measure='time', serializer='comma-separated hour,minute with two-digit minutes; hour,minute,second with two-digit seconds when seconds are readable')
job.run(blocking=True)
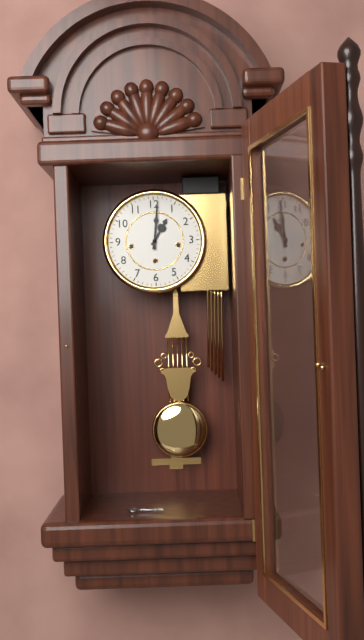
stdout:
1,01
